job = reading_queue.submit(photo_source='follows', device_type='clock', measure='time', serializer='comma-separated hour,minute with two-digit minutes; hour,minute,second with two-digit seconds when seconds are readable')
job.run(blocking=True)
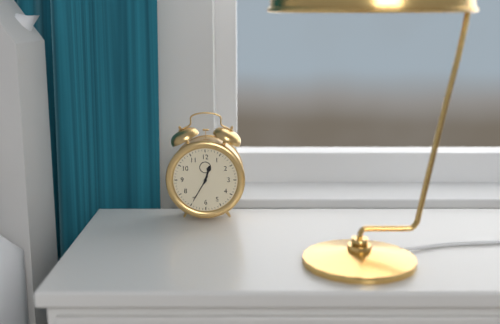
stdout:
12,35
